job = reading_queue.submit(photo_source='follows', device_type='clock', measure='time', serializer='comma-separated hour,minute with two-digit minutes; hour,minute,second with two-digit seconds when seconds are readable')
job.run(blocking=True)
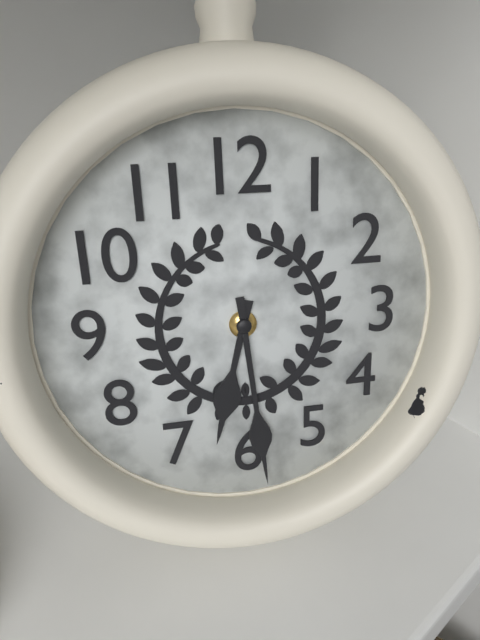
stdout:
6,29
